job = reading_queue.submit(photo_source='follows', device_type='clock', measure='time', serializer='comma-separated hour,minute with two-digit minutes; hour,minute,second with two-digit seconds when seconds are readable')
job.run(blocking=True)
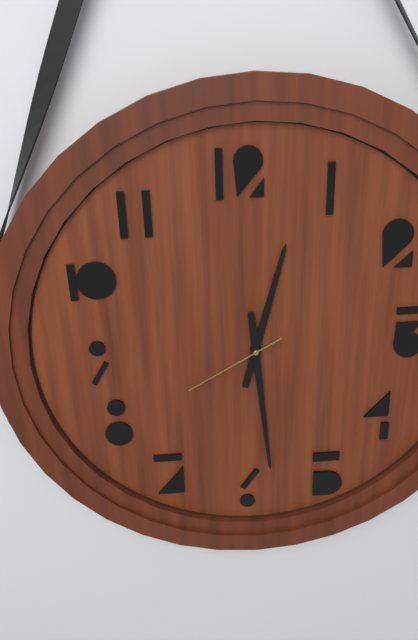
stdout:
12,29,40
